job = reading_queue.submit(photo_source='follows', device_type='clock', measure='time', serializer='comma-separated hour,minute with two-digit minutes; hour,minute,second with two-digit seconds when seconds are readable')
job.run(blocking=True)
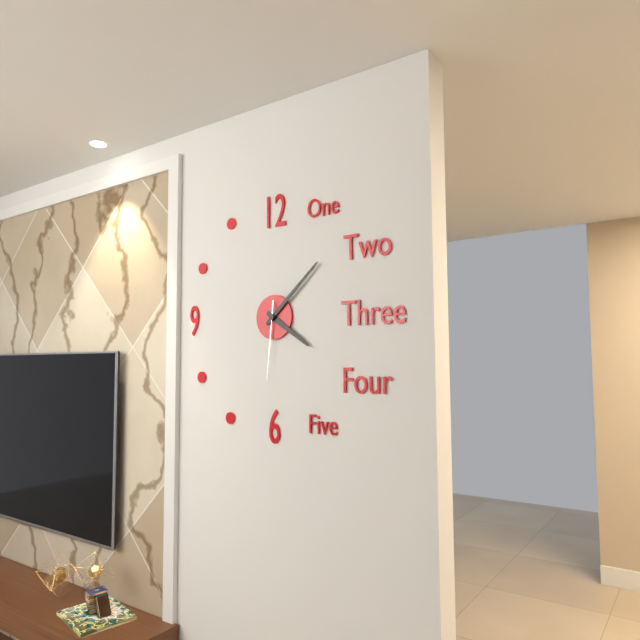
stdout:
4,08,31
